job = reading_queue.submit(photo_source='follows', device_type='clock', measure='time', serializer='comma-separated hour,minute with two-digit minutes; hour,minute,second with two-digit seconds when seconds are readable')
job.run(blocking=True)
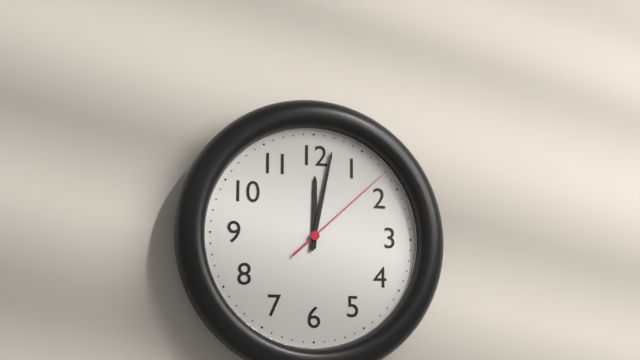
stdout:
12,02,08
